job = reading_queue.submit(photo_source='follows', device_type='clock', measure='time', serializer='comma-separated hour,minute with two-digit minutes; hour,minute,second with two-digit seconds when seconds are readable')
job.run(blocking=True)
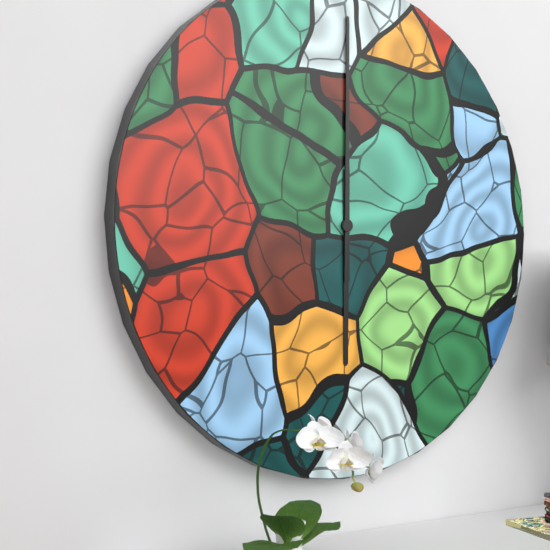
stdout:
6,00
